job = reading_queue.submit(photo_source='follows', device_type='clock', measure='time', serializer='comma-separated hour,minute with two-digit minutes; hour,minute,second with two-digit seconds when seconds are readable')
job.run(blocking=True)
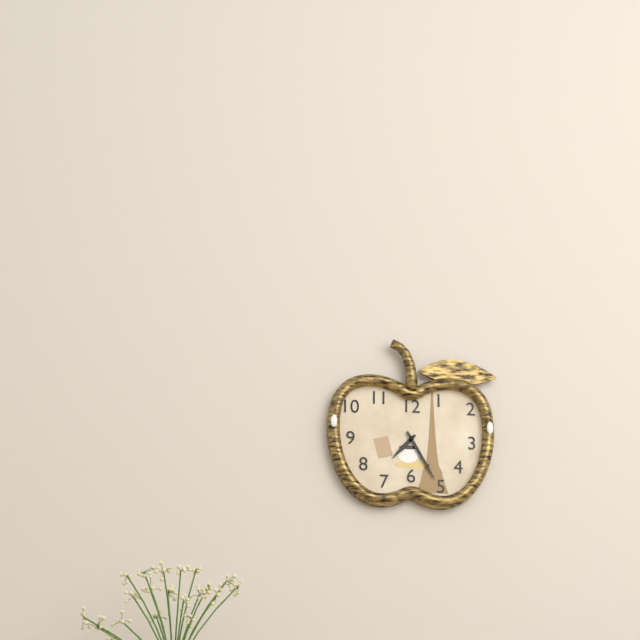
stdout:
7,25
